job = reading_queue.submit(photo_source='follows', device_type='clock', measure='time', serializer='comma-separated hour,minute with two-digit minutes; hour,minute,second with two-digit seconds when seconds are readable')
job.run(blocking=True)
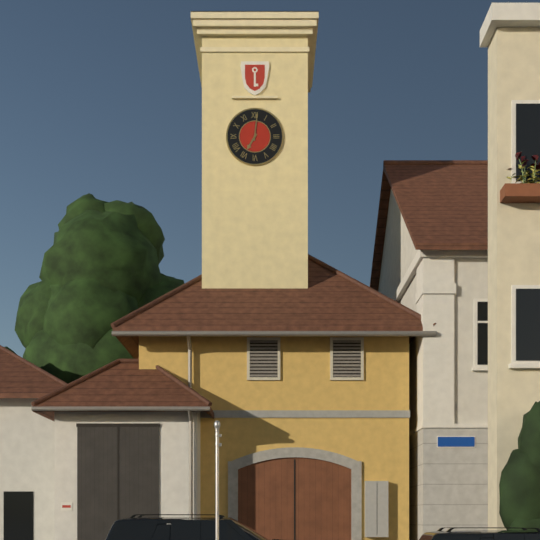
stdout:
7,01
